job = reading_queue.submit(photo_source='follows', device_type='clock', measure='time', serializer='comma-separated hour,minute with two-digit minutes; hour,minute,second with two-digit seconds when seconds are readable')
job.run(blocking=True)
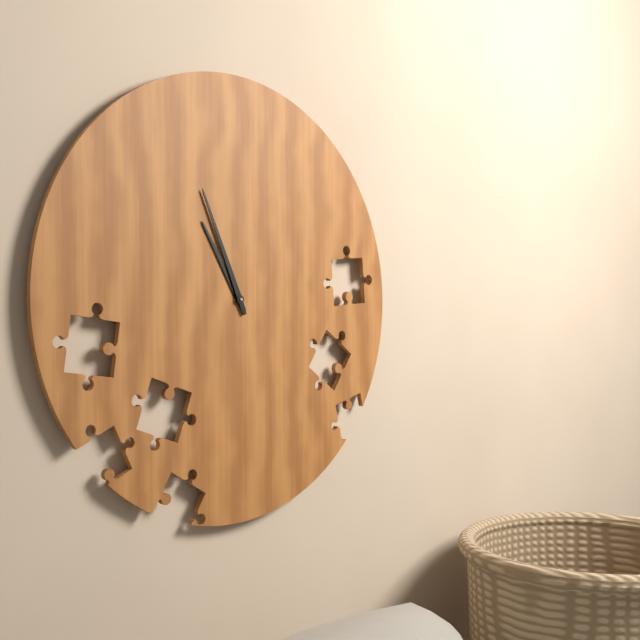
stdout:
10,56
